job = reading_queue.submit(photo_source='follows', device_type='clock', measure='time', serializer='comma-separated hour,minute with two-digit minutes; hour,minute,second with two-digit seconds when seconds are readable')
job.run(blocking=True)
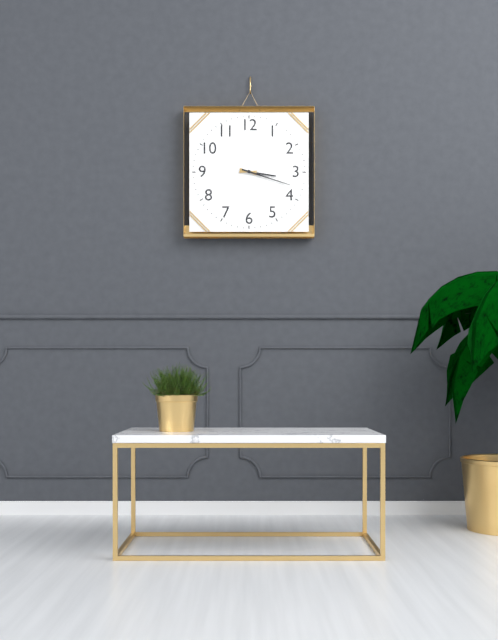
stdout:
3,18
